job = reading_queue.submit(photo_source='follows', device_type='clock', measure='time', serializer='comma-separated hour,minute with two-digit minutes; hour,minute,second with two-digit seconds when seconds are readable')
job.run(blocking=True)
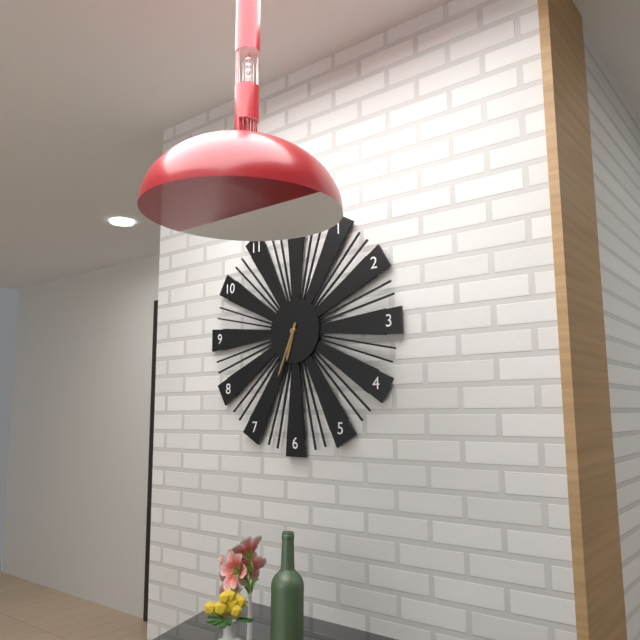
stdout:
6,34
